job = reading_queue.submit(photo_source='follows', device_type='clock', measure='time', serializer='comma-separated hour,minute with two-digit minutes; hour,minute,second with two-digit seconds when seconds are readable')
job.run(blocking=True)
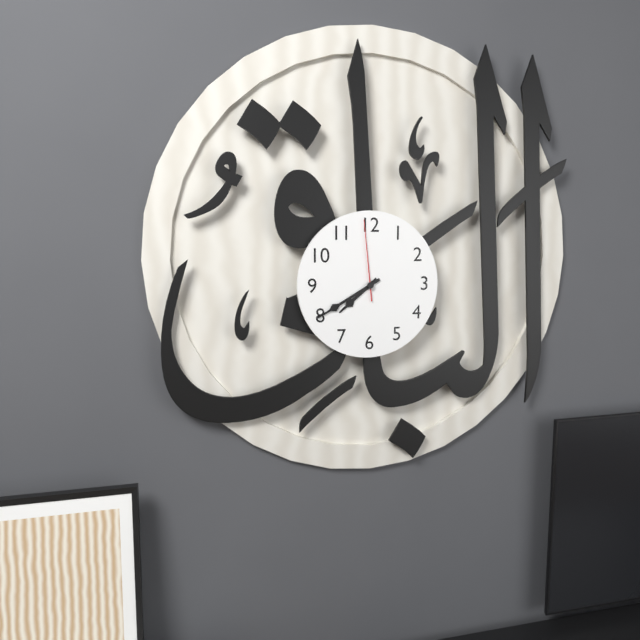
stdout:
7,40,59
